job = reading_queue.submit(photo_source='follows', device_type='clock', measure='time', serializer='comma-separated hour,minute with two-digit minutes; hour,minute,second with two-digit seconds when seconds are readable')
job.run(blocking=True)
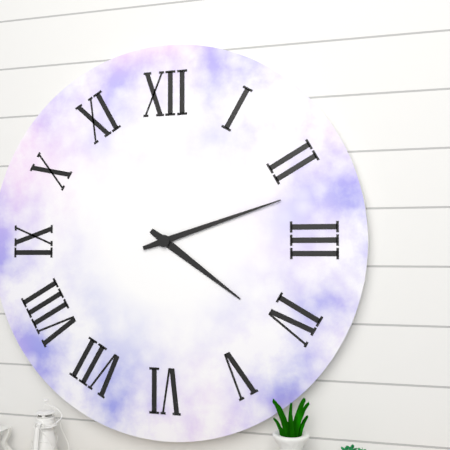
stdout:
4,12
